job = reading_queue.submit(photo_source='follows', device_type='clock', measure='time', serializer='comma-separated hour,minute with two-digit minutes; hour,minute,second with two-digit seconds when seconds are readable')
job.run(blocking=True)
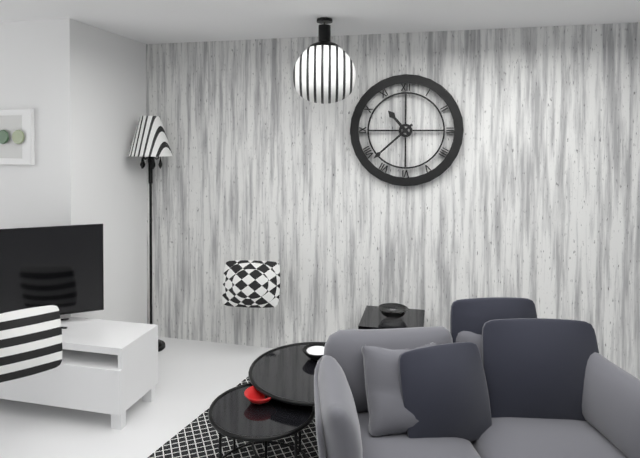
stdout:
10,38
